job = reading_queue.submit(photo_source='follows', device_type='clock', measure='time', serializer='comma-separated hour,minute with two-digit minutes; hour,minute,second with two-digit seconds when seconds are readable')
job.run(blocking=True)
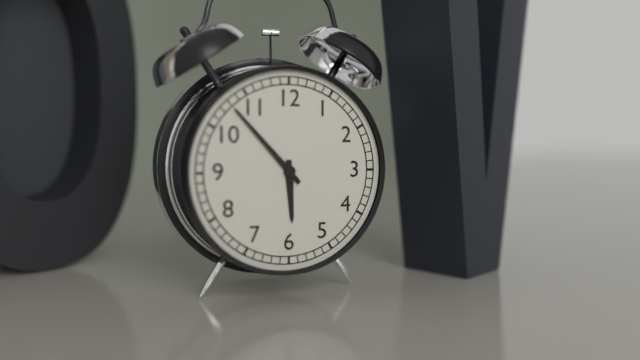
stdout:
5,53
